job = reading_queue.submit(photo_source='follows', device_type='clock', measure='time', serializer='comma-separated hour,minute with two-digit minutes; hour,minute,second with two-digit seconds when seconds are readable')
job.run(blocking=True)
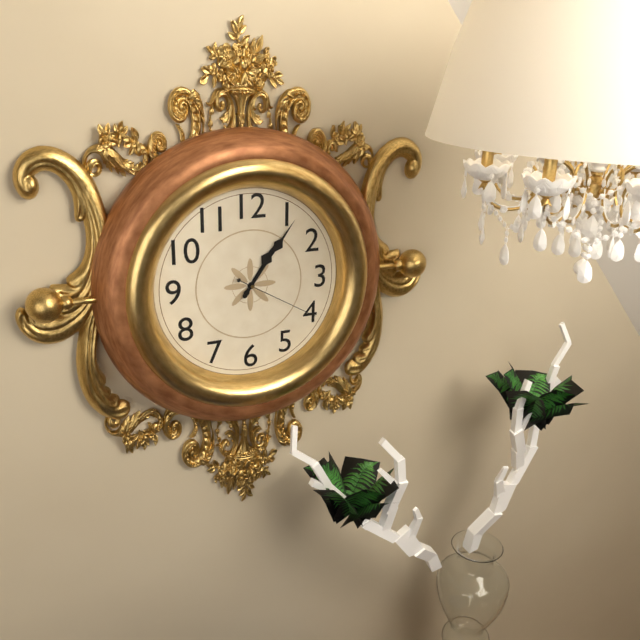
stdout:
1,06,20
